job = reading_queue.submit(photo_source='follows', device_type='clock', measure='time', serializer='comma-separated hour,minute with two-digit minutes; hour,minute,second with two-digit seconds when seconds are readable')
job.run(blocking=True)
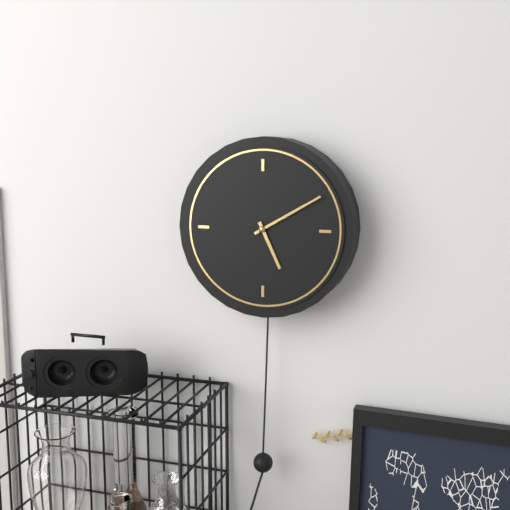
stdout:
5,10
